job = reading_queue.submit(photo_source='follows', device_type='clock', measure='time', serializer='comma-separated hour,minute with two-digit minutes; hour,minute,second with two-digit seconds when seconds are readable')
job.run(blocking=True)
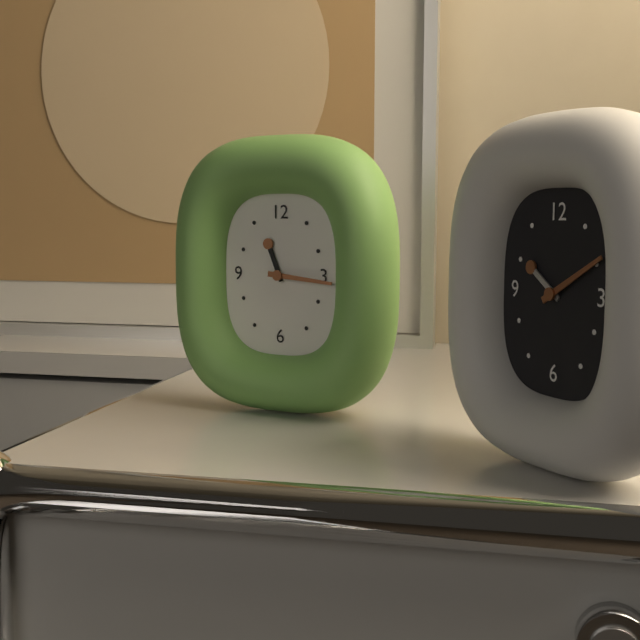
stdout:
11,16
